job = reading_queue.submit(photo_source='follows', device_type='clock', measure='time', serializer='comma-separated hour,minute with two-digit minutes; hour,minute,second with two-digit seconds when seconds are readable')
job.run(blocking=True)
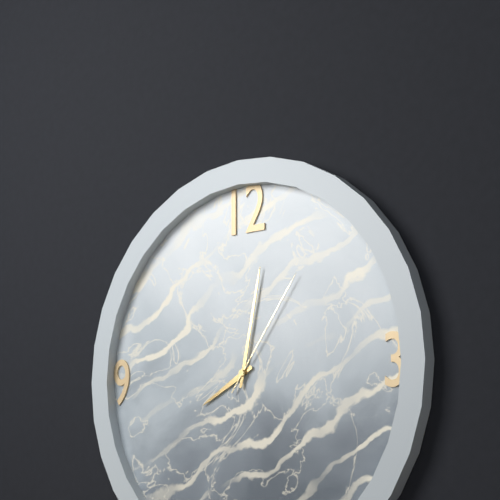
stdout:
8,02,06
